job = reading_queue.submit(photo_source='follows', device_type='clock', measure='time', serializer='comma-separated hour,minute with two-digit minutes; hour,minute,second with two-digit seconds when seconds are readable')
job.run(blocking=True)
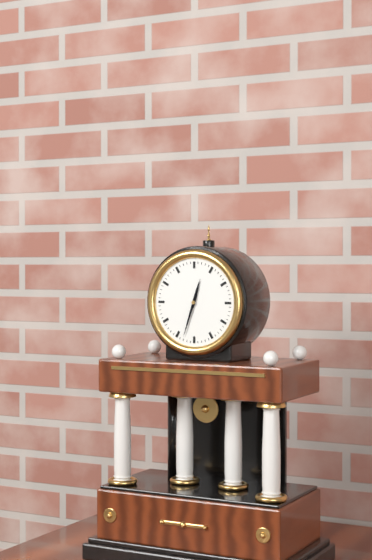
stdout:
12,33
